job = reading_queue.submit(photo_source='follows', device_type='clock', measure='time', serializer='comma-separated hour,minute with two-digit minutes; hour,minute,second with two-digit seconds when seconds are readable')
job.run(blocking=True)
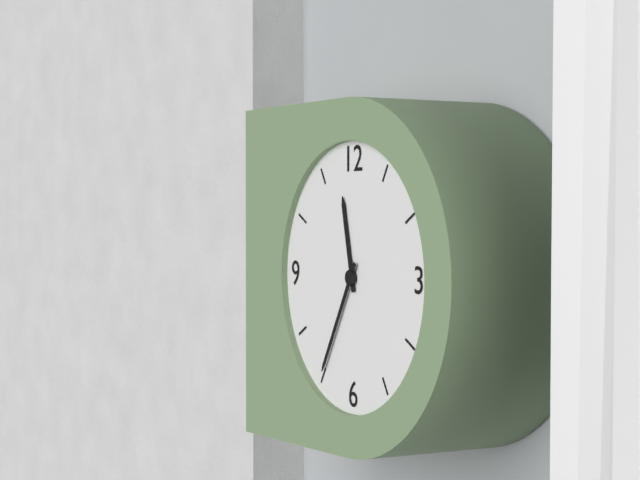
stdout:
11,35
